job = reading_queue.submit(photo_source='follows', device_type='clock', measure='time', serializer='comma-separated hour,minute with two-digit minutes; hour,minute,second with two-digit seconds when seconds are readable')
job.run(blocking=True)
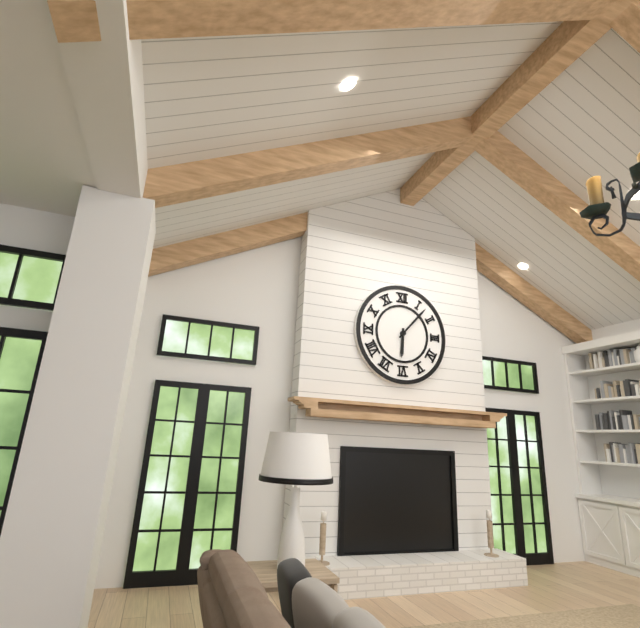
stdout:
6,07
